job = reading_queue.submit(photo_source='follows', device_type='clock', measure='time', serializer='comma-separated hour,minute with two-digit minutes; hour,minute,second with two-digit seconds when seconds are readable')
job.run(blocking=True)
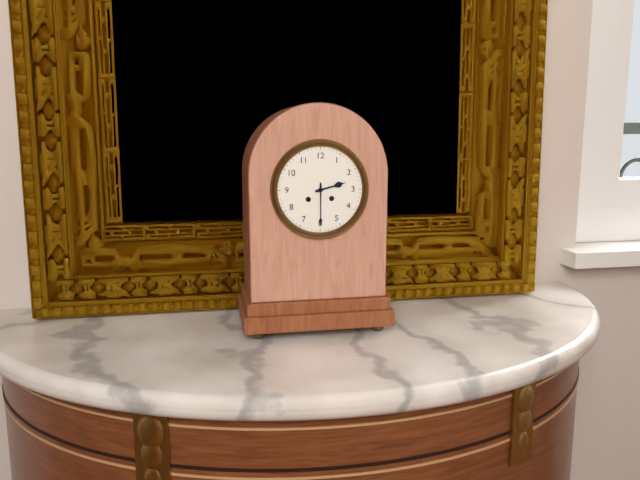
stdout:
2,30
